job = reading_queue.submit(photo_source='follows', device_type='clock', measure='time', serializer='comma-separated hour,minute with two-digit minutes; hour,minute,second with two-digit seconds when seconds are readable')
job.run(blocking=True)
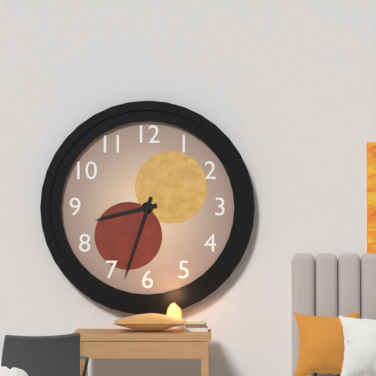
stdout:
8,33
